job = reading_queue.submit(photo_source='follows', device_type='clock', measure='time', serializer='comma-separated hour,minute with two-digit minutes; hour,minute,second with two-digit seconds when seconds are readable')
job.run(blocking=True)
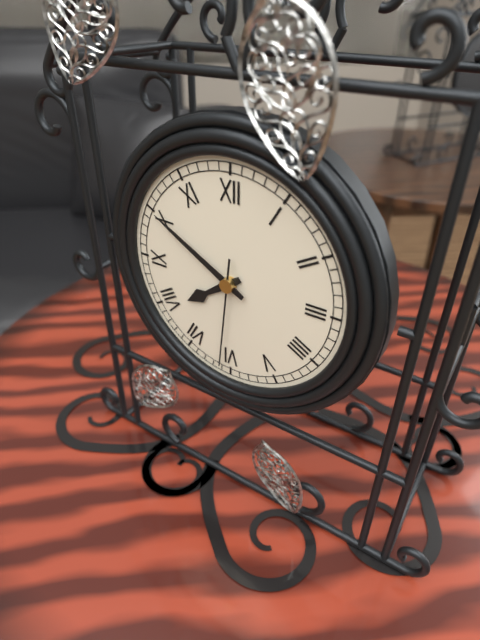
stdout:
7,50,31
